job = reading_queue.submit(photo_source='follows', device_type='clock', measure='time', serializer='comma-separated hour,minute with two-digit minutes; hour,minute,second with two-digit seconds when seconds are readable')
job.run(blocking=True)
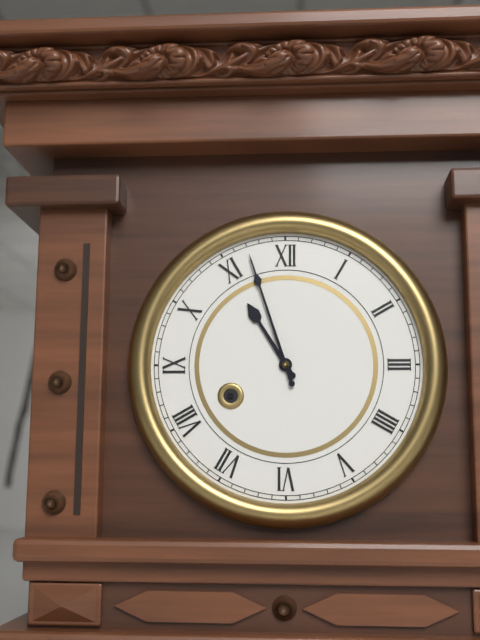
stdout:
10,57
